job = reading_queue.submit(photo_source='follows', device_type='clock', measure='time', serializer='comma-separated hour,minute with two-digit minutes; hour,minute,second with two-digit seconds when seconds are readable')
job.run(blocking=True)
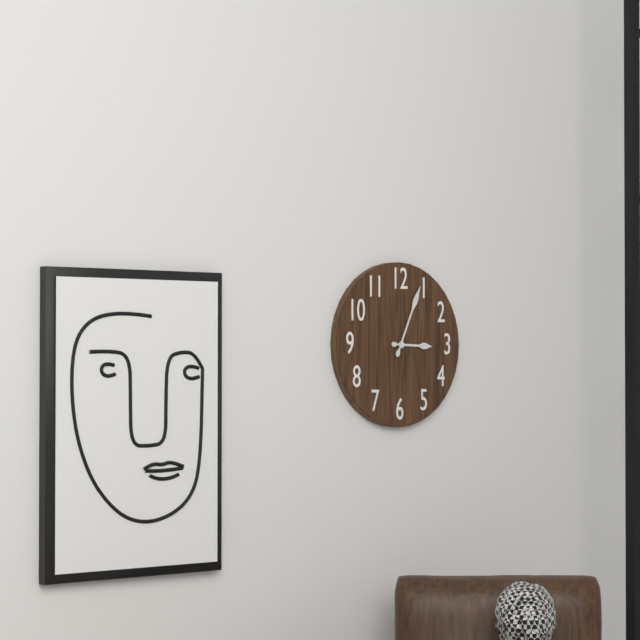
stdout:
3,04
